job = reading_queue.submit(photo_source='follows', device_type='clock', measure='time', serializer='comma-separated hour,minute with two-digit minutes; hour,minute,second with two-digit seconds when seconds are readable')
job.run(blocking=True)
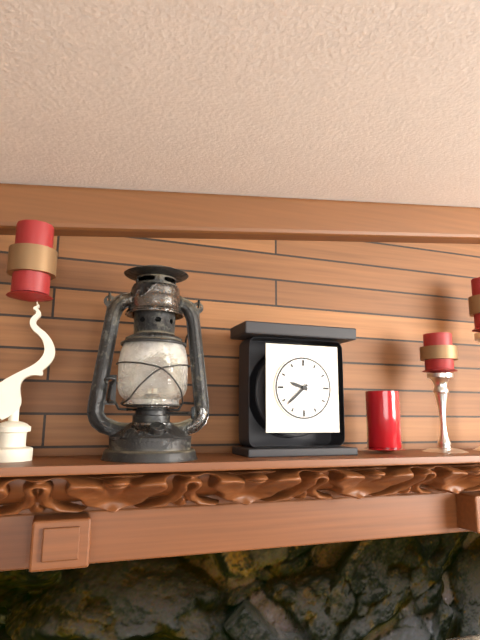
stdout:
9,38
